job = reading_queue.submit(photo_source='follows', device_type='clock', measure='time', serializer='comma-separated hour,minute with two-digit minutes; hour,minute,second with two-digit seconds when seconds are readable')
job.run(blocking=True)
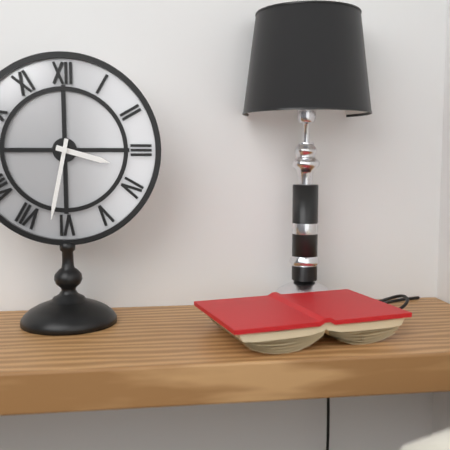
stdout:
3,32
